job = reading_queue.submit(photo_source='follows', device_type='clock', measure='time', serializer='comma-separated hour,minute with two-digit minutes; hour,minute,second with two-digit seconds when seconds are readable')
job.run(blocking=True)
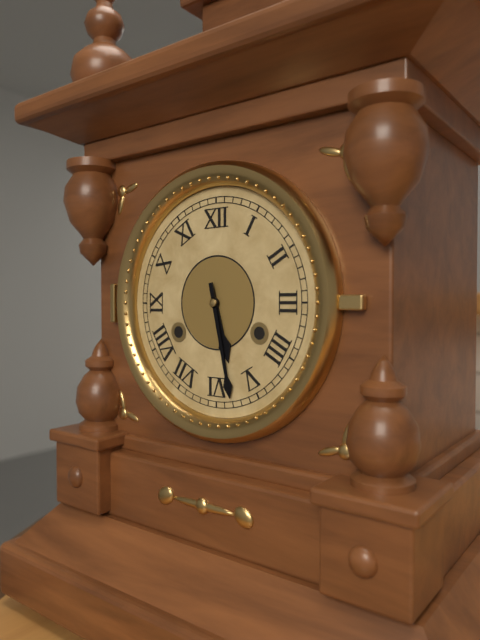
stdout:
5,28
